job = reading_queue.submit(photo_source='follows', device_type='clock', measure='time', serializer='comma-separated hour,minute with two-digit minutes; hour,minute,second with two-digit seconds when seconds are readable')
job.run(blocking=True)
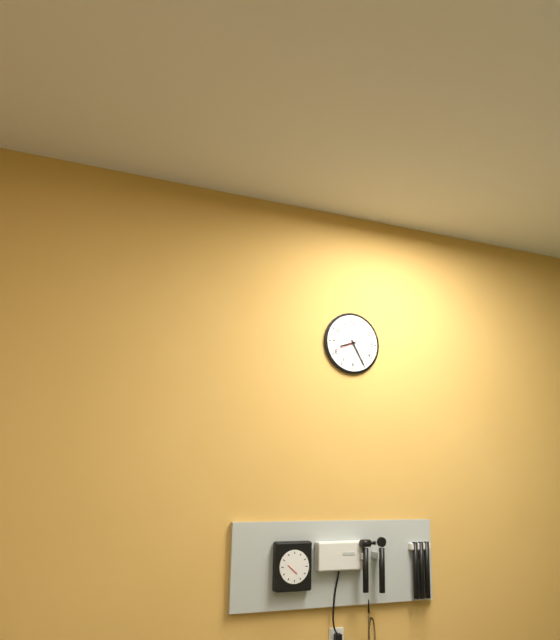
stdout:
8,25
